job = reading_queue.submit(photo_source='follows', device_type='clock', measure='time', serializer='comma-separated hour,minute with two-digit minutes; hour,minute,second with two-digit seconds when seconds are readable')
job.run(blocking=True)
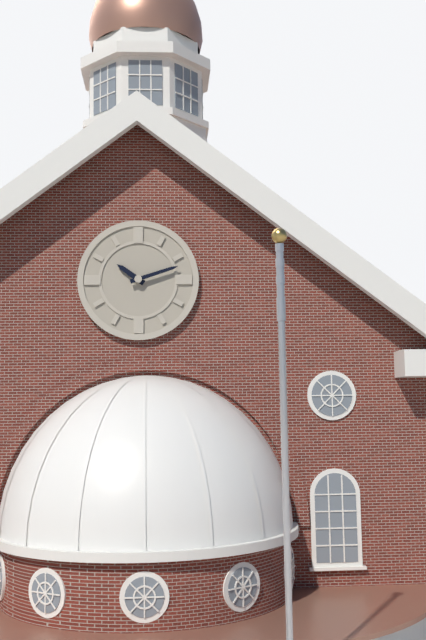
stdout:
10,12
